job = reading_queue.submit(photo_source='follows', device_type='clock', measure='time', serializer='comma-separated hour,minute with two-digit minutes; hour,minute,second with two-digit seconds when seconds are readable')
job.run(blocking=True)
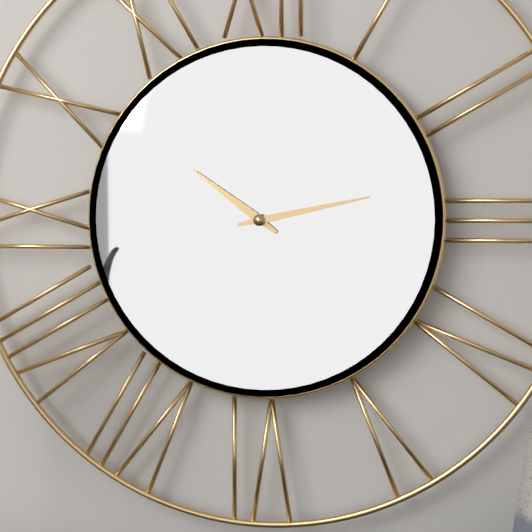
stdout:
10,13
